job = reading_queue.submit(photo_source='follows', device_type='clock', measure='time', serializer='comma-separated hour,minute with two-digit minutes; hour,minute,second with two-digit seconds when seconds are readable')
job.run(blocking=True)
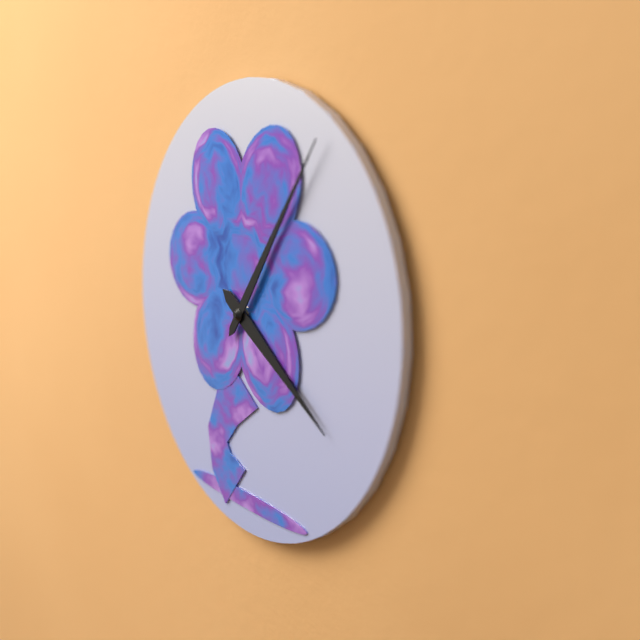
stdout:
4,06
